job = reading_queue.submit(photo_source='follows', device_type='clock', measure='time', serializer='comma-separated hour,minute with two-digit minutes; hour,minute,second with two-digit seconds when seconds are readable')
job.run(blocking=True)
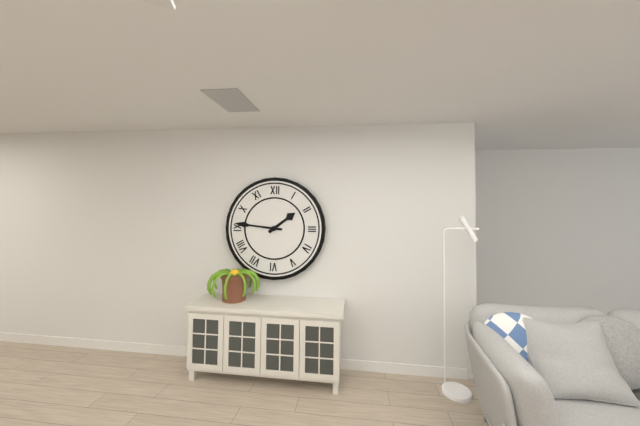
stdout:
1,46
